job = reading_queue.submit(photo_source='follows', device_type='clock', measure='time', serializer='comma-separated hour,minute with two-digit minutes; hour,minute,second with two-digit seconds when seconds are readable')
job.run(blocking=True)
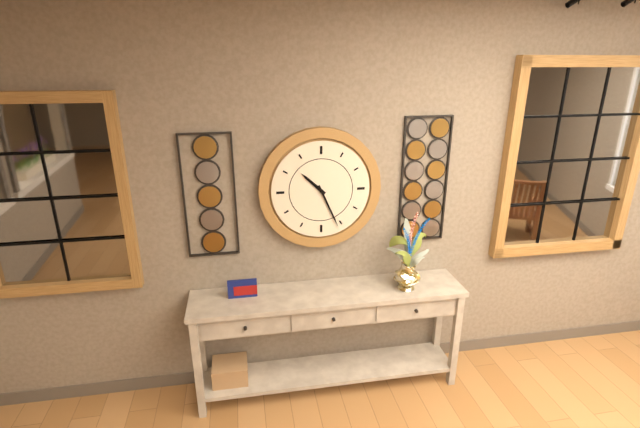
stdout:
10,26
